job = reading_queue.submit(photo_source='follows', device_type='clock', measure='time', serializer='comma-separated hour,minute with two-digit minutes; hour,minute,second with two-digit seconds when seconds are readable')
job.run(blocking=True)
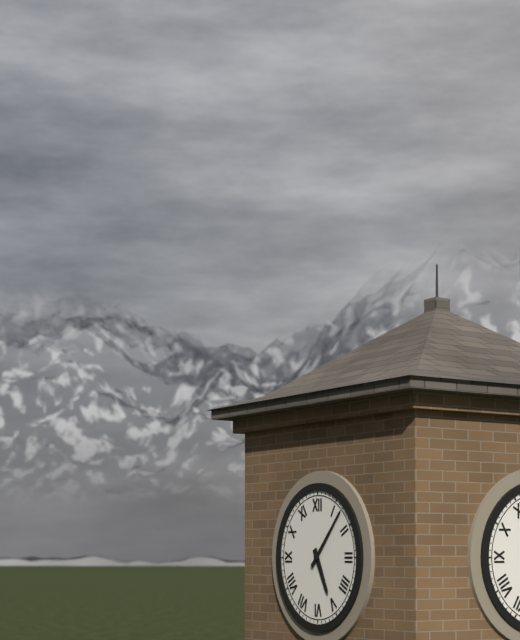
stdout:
5,07
